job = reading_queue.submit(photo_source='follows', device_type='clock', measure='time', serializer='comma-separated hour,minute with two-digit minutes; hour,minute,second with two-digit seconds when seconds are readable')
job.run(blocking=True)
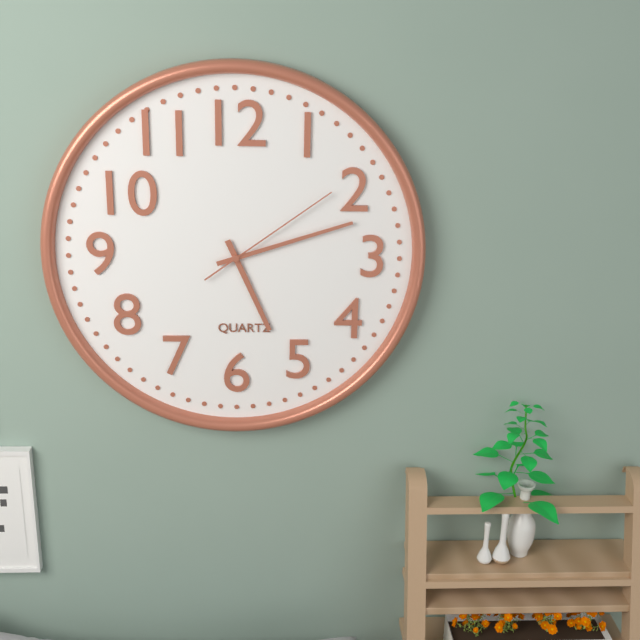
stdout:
5,12,09
